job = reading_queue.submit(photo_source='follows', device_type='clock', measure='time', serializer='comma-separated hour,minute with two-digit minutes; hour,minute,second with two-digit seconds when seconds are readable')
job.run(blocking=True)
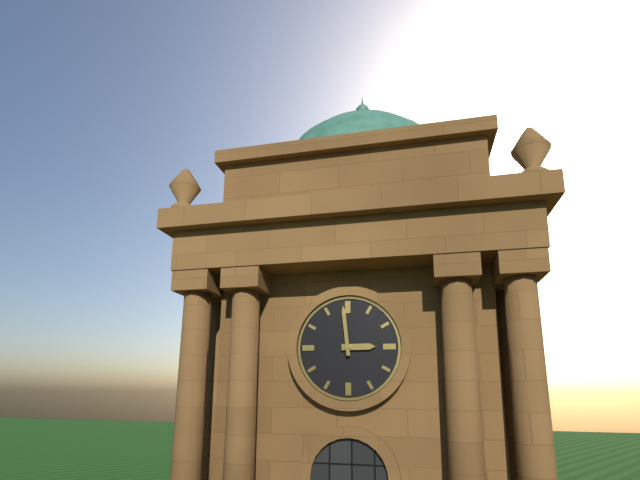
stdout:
2,59
